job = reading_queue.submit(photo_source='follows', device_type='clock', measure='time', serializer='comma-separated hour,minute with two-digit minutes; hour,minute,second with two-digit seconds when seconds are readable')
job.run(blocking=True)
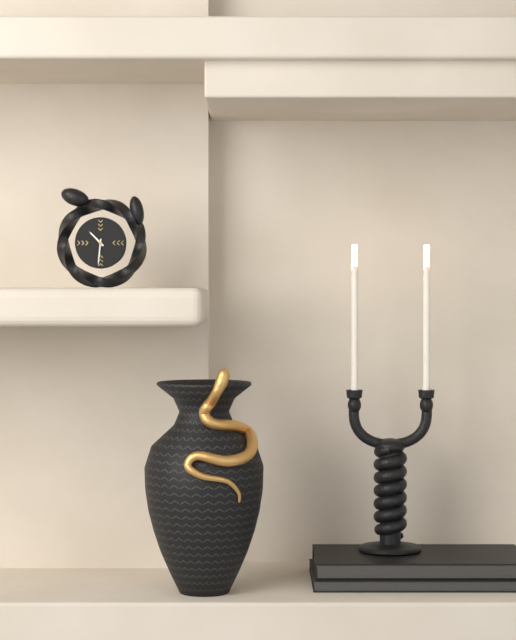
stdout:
10,31
